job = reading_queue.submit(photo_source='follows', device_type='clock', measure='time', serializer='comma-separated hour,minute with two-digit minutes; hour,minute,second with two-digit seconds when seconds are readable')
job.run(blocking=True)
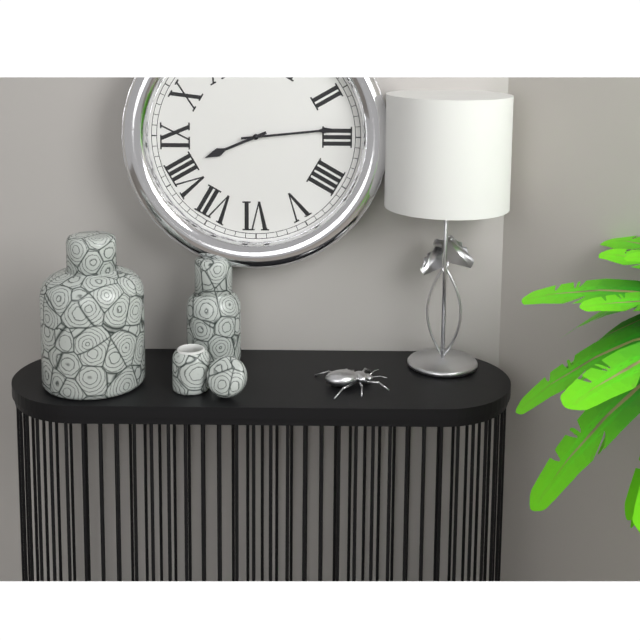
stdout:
8,14
